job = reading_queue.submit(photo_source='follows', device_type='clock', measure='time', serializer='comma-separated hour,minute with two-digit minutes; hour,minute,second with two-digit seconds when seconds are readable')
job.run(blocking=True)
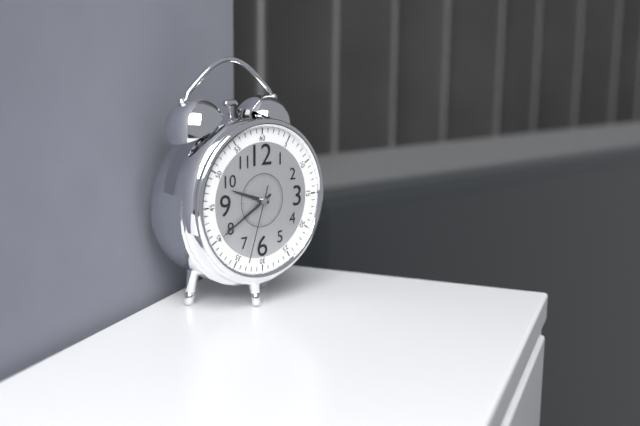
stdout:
9,40,33
